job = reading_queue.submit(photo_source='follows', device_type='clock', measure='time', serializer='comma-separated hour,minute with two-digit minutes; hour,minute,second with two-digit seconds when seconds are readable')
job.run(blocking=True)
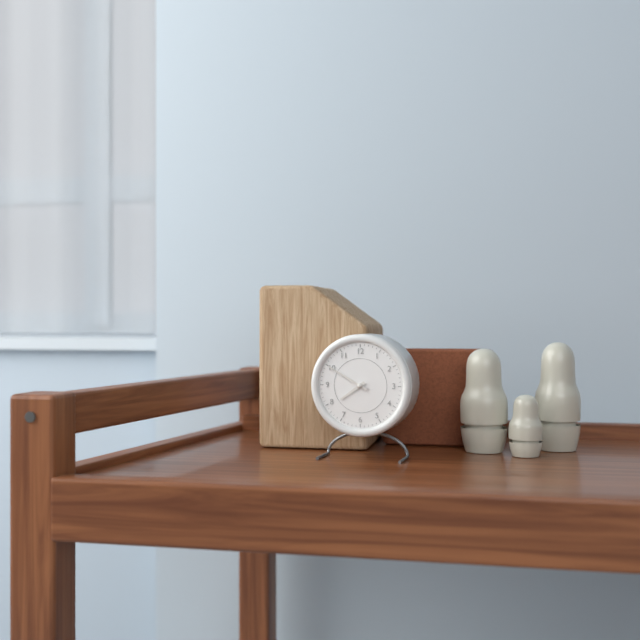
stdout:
7,50
